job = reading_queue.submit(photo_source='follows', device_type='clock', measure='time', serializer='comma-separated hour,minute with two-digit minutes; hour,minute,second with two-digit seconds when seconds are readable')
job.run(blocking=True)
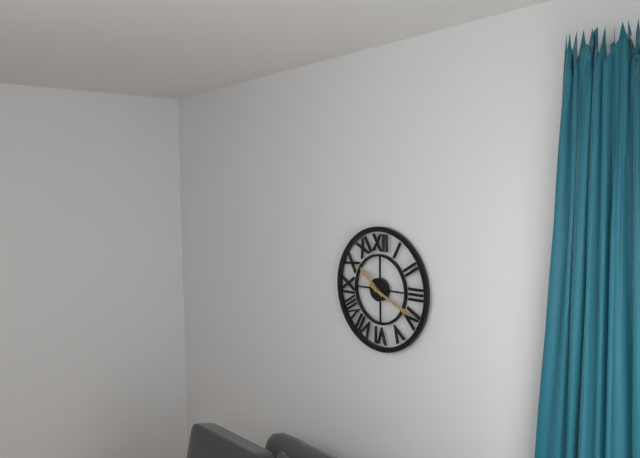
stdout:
10,19
